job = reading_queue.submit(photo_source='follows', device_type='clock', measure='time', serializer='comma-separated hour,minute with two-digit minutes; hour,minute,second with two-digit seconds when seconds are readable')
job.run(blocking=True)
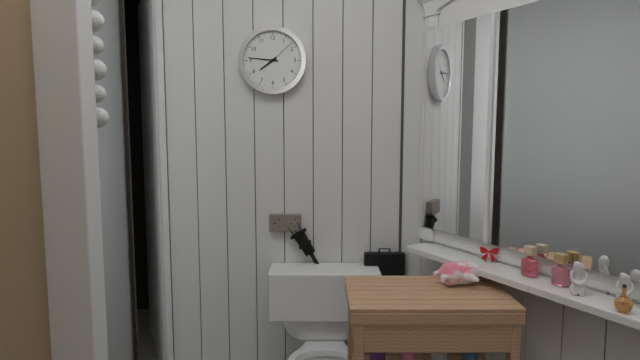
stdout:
7,46
